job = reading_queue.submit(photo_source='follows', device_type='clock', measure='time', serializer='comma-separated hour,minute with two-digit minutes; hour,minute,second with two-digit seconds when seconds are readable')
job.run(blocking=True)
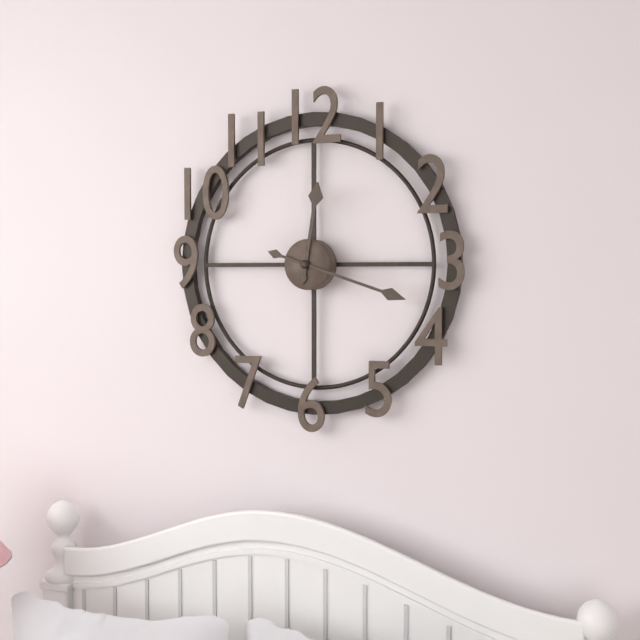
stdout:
12,18
